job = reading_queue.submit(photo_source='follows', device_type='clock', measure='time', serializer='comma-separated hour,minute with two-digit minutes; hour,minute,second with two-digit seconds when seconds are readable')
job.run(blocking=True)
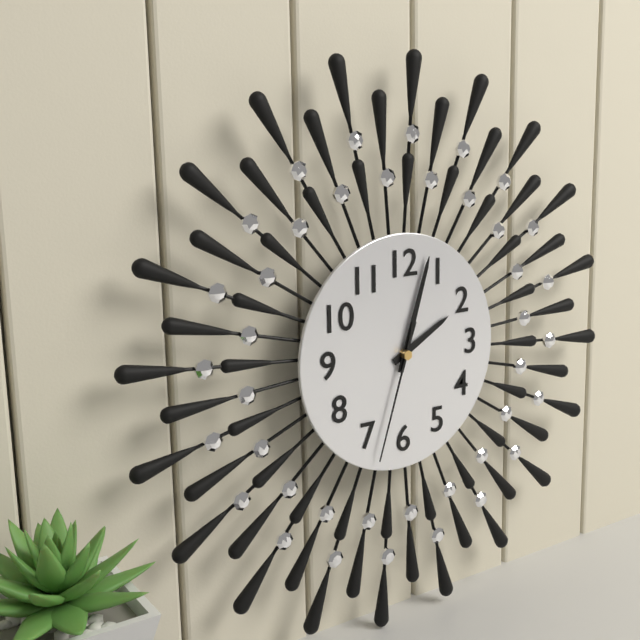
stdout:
2,03,33
